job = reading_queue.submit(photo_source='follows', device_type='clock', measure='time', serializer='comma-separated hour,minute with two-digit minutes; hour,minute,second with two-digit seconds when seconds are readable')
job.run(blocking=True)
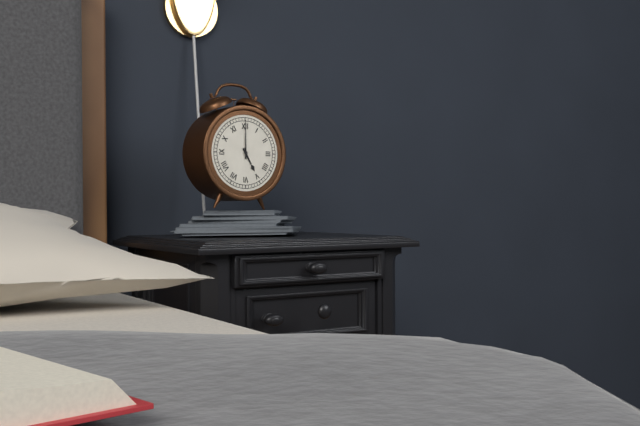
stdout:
5,00
